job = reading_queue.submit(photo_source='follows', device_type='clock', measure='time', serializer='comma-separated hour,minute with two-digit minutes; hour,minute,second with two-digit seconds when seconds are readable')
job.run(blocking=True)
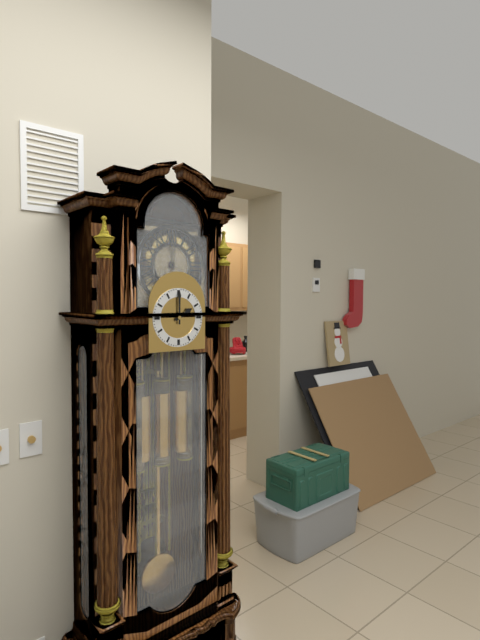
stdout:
2,00
